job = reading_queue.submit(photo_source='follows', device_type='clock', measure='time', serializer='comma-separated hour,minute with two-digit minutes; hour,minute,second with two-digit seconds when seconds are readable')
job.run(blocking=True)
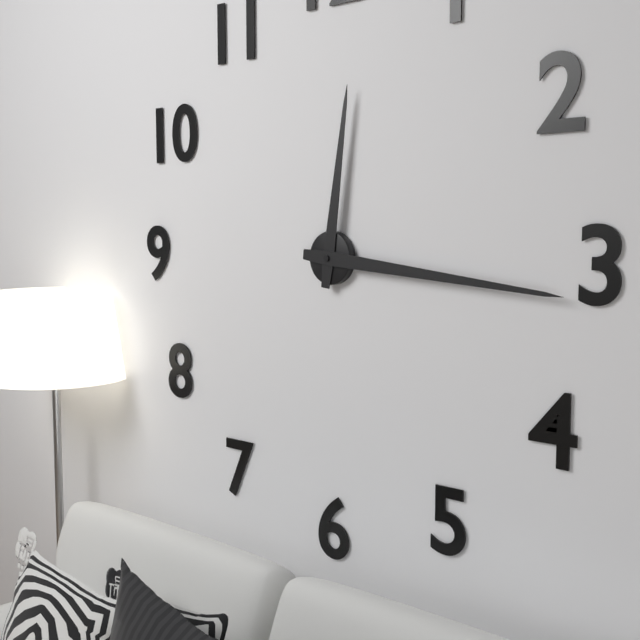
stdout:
12,16
